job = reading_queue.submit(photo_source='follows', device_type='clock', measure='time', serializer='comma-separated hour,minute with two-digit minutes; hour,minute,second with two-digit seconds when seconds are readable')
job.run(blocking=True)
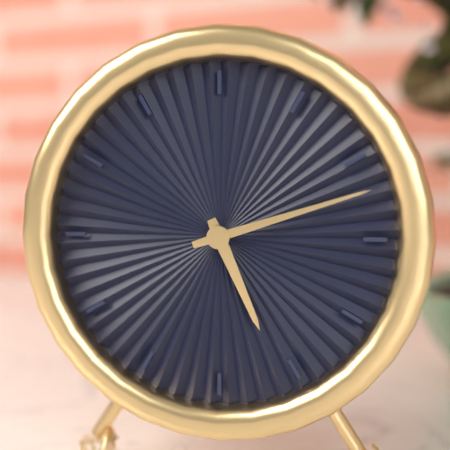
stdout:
5,12
